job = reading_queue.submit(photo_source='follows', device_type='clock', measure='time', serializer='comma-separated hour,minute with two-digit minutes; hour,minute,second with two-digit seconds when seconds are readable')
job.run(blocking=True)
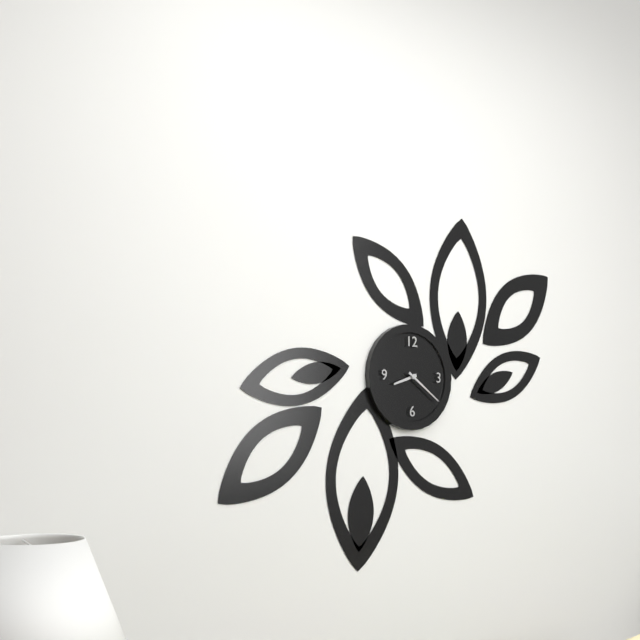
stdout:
8,21
